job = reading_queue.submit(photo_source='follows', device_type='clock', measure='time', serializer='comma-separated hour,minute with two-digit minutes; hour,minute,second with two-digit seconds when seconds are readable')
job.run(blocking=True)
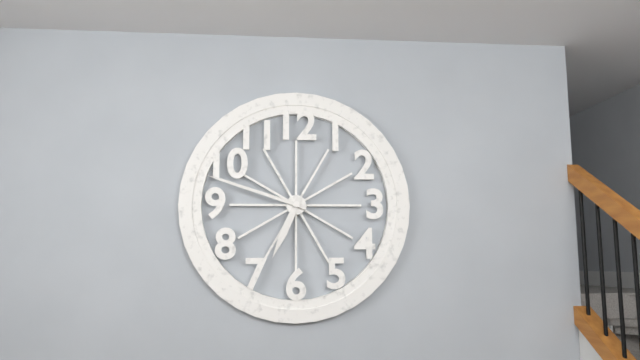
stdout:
6,48
